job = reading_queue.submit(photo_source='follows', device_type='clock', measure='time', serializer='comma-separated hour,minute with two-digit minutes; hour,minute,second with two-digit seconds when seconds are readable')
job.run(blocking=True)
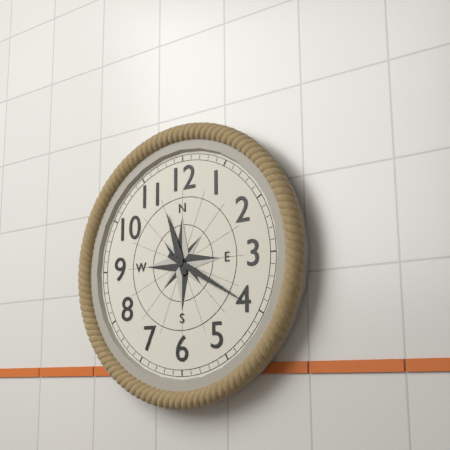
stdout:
11,20
